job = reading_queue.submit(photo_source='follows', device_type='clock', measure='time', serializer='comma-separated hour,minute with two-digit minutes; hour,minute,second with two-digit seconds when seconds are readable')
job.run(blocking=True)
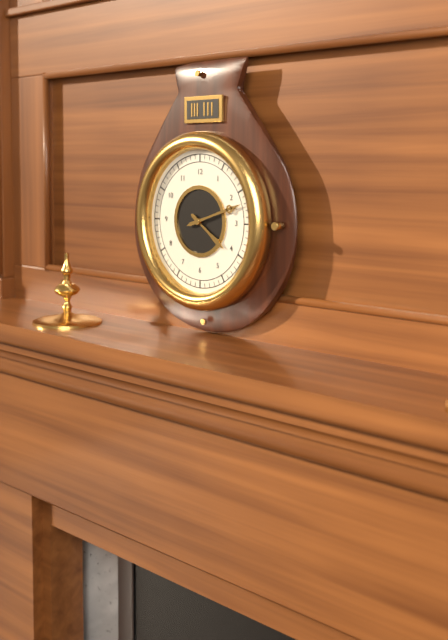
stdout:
4,12
